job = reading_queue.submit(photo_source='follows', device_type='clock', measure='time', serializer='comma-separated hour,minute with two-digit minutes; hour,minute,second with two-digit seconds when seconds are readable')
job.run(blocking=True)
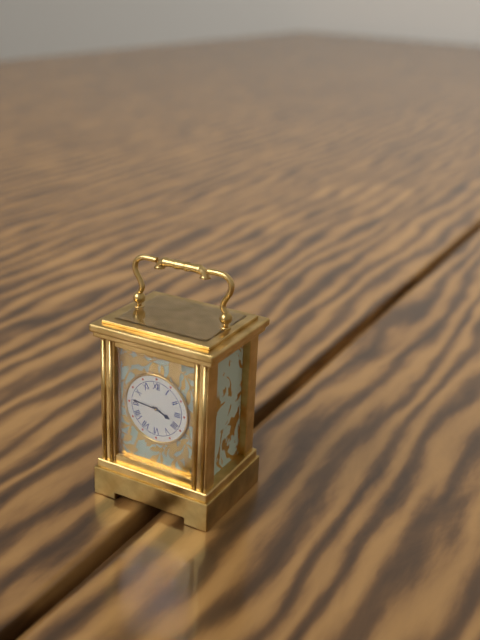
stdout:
3,46
